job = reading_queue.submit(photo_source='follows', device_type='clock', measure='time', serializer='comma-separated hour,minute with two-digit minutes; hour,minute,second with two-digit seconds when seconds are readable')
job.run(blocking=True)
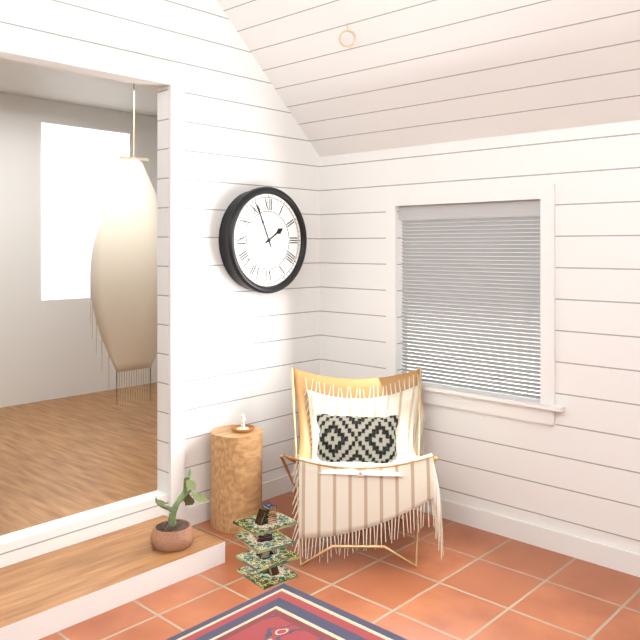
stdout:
1,56
